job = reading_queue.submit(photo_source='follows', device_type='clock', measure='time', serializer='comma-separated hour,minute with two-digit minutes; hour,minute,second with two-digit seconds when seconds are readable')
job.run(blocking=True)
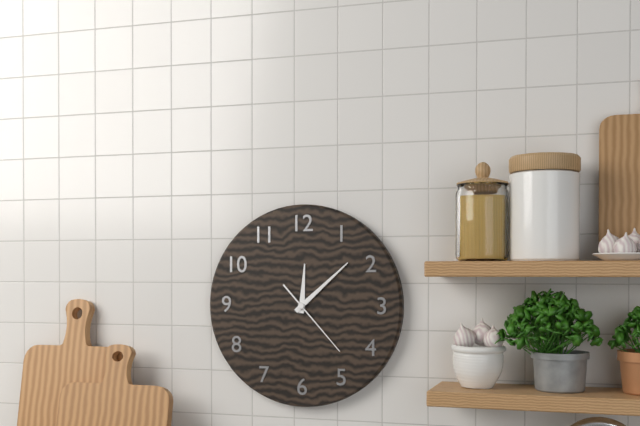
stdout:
12,08,23
